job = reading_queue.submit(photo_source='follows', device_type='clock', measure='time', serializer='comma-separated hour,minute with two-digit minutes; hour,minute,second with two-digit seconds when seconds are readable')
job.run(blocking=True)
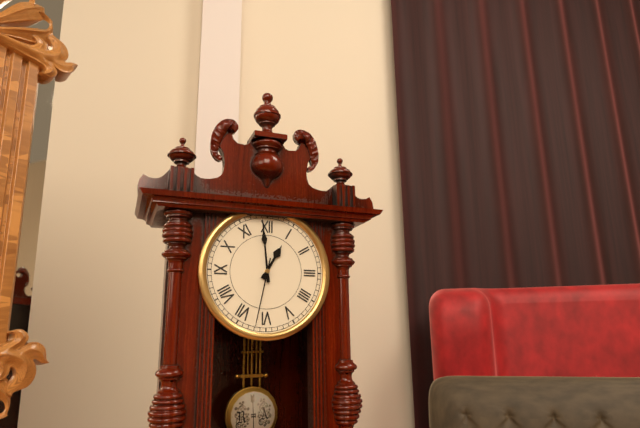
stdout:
12,59,32
